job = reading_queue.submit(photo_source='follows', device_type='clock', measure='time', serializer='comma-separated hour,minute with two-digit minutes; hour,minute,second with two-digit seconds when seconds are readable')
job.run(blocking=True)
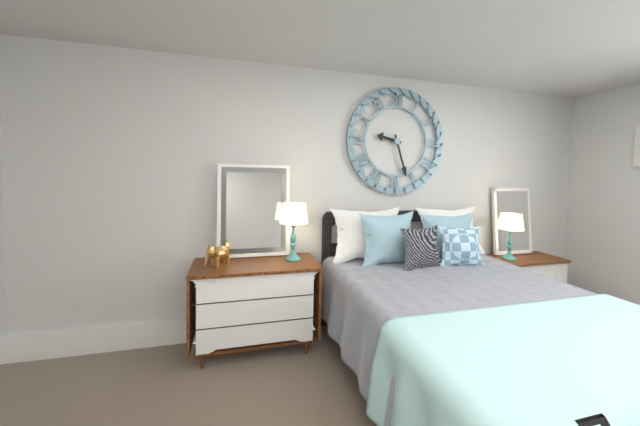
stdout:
9,27
